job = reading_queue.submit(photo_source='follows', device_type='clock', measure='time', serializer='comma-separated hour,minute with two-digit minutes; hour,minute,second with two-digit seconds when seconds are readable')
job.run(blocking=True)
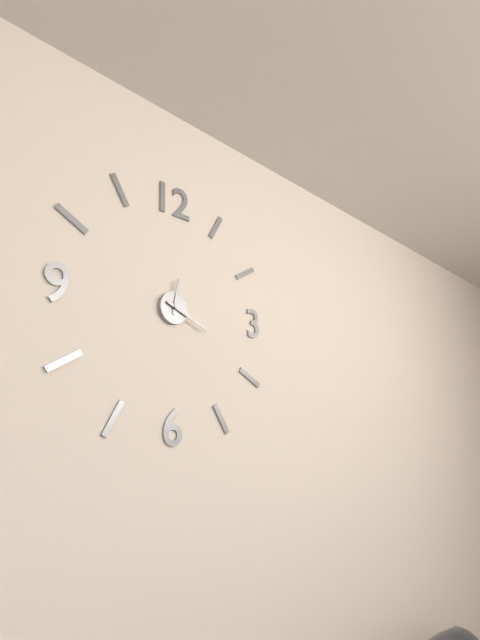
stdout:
12,19
